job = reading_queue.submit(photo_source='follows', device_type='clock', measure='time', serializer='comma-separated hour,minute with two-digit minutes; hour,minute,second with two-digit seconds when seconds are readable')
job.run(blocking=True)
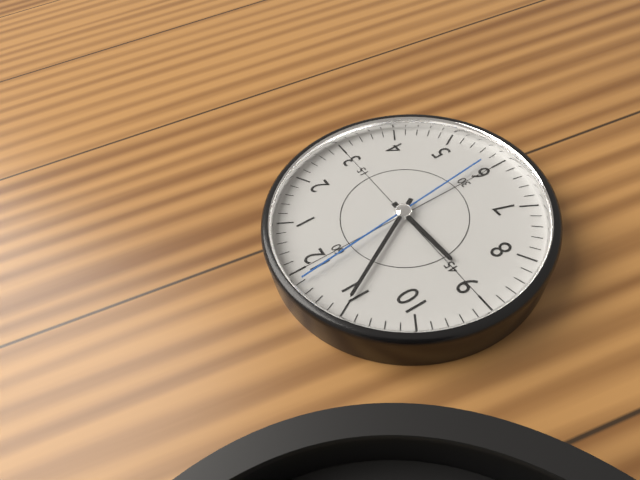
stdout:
8,55,59
